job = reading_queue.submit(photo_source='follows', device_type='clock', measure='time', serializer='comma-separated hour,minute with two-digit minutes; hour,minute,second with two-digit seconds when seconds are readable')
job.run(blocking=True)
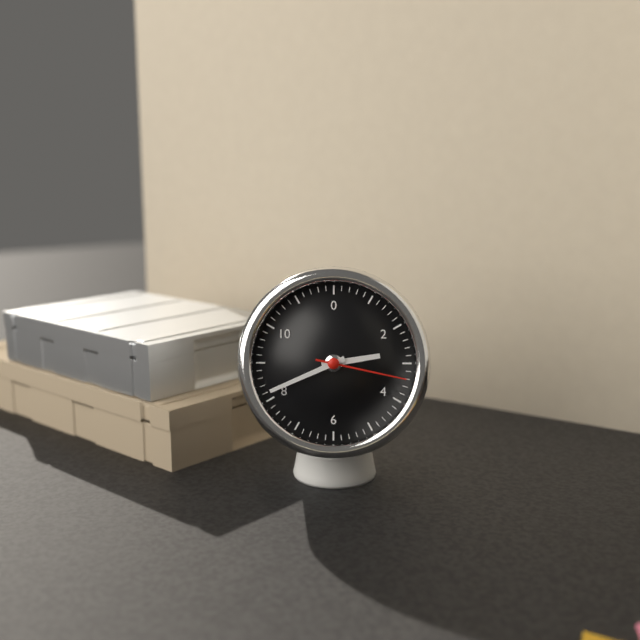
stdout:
2,41,17
